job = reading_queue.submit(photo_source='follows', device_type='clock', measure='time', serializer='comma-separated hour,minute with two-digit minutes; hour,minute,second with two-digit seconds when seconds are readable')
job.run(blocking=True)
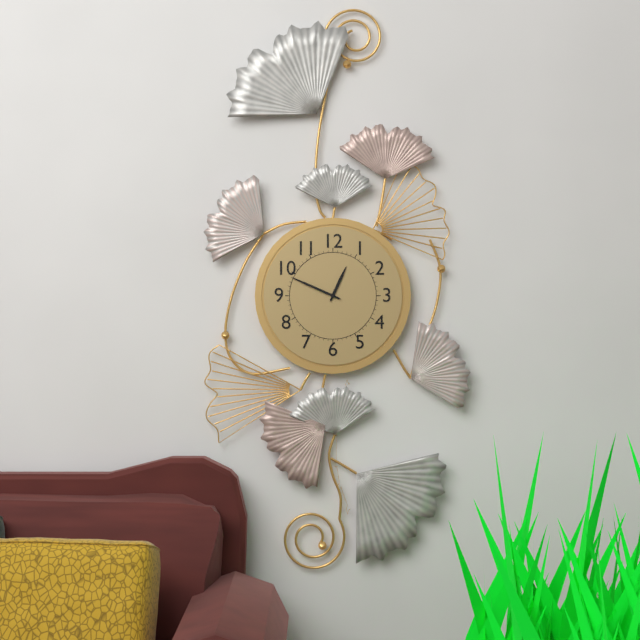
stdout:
12,49
